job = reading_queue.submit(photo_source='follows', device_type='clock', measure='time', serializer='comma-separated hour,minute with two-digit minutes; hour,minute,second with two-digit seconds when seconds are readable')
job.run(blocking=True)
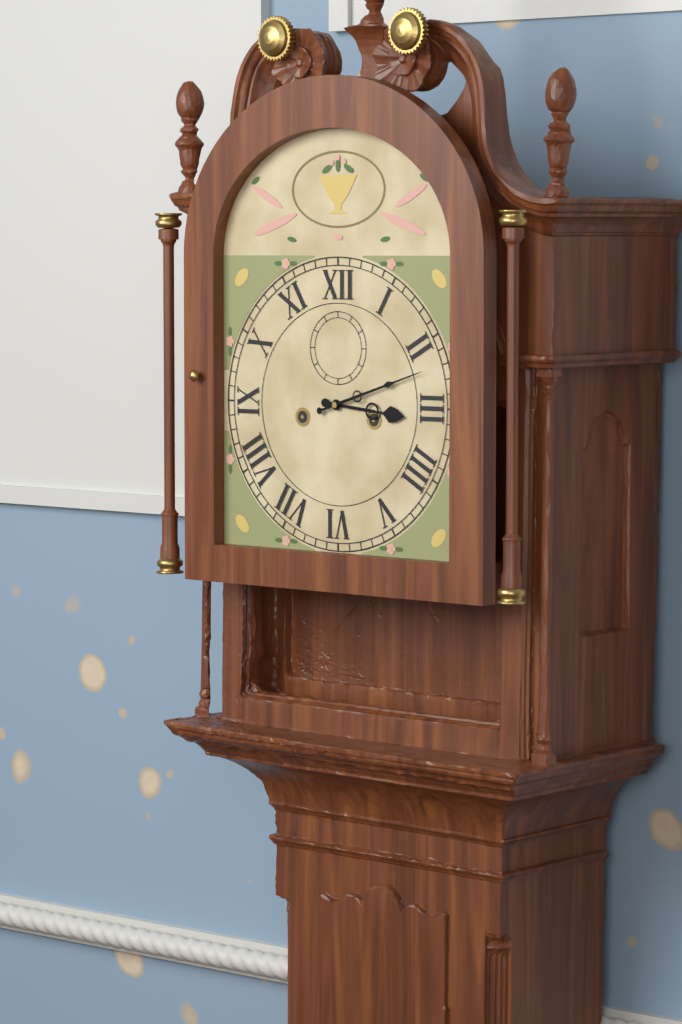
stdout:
3,12
